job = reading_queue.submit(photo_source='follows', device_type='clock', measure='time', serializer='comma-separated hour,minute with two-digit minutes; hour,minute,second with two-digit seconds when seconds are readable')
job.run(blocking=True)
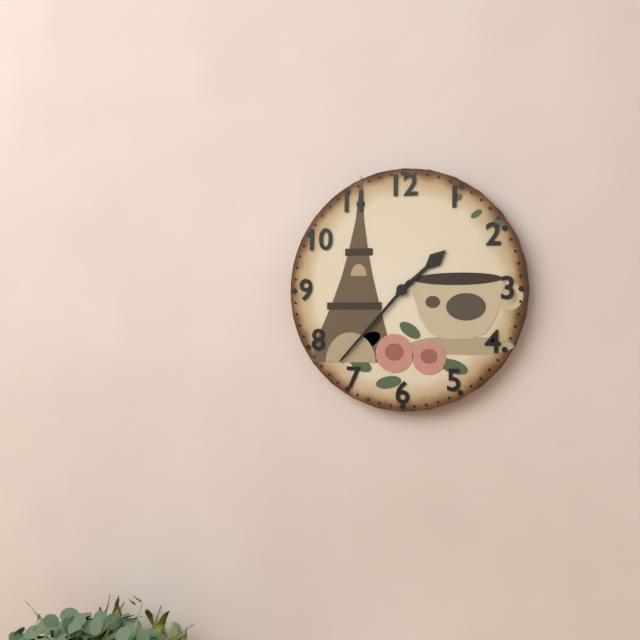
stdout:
1,37
